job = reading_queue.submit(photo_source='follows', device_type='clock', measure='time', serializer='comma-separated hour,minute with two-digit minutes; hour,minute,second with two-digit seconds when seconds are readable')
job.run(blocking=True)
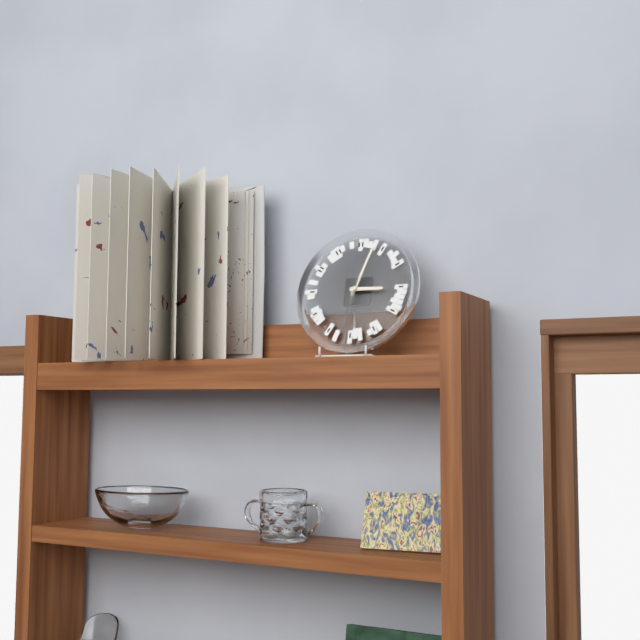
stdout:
3,03,32
